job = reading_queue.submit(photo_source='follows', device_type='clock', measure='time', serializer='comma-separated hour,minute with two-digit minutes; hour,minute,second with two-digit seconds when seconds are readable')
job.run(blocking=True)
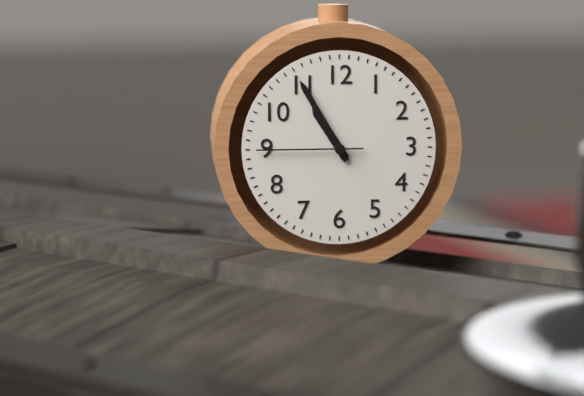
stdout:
10,55,45
